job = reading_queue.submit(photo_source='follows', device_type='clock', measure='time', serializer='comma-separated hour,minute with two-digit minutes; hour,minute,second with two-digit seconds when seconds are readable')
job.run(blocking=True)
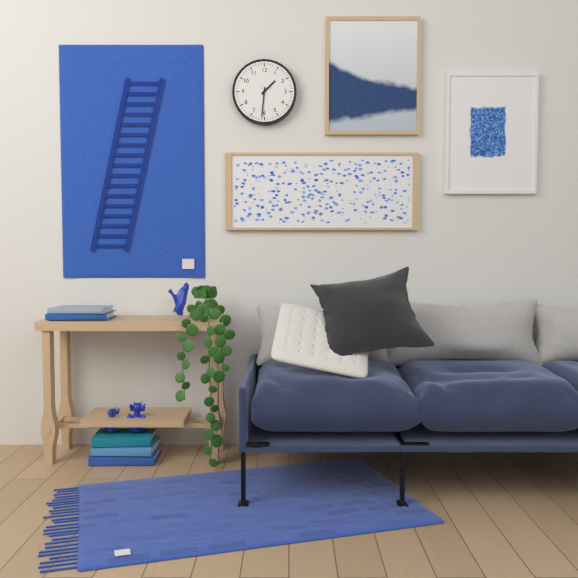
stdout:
1,31
